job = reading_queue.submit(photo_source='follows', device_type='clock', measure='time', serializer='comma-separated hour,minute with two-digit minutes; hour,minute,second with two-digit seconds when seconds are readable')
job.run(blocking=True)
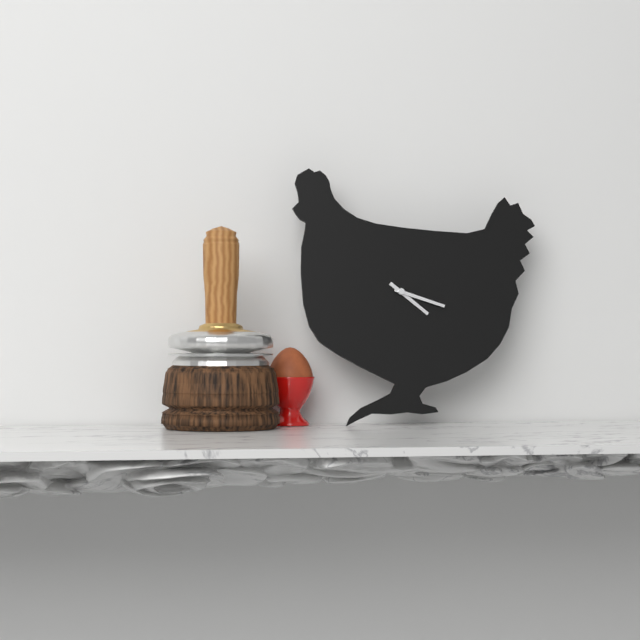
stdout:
4,18
